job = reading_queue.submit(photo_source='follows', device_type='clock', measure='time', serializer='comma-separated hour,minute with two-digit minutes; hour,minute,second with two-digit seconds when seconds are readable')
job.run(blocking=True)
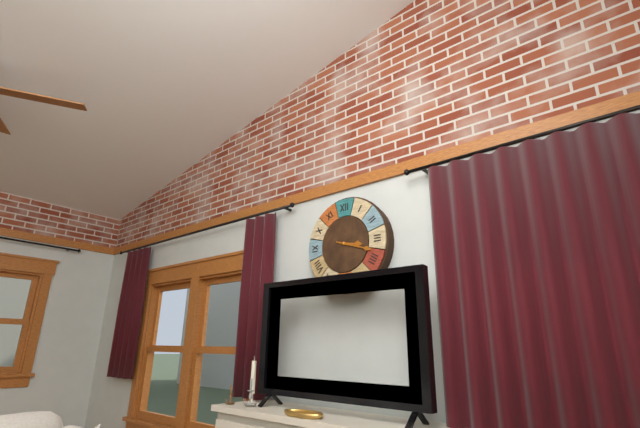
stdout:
3,18
